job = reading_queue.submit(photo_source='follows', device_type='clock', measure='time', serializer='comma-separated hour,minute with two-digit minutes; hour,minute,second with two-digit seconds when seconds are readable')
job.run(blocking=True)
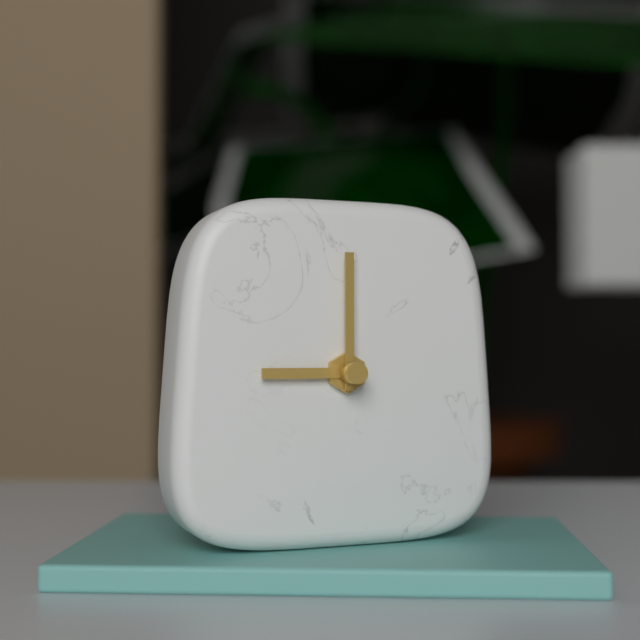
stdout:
9,00
